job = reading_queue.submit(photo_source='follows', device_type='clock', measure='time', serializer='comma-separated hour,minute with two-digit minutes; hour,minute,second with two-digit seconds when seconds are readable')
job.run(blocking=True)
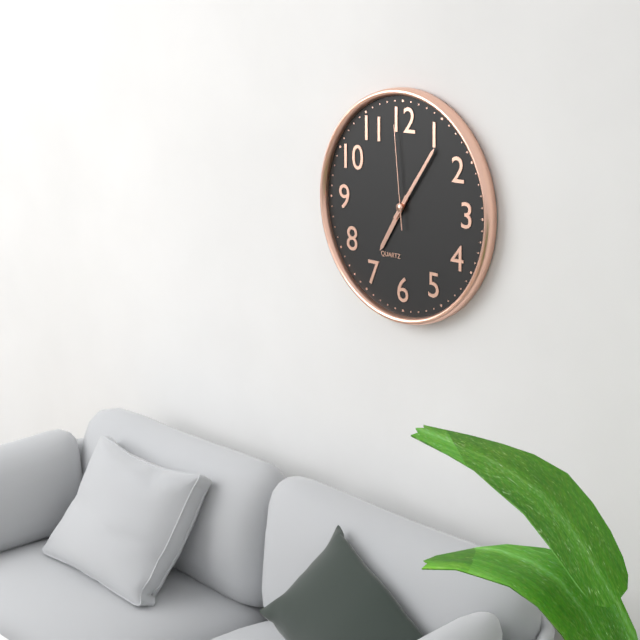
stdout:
7,06,59
